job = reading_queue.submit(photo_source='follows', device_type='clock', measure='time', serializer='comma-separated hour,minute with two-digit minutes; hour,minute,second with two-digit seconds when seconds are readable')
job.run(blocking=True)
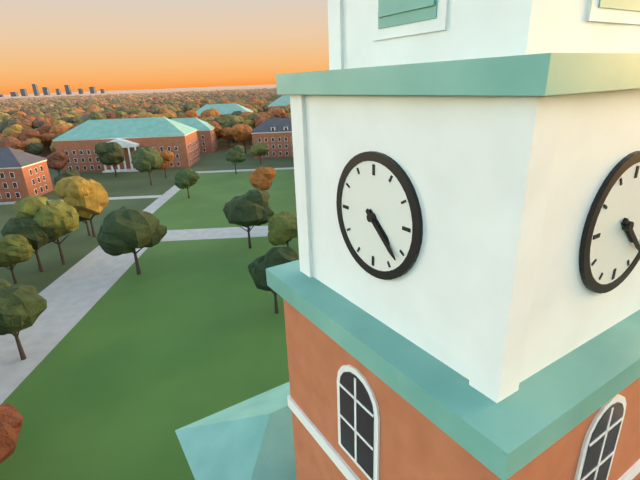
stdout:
4,22
